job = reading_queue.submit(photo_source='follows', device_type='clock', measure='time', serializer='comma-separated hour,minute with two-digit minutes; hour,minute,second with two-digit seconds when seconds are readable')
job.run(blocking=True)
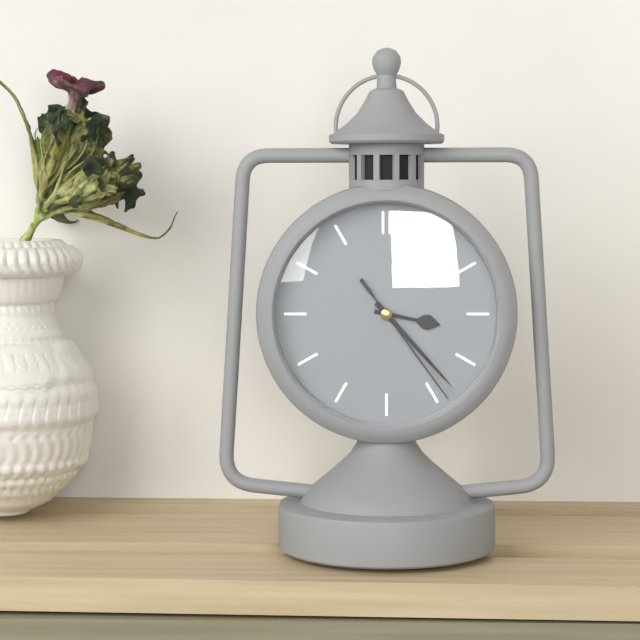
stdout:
3,23,24
